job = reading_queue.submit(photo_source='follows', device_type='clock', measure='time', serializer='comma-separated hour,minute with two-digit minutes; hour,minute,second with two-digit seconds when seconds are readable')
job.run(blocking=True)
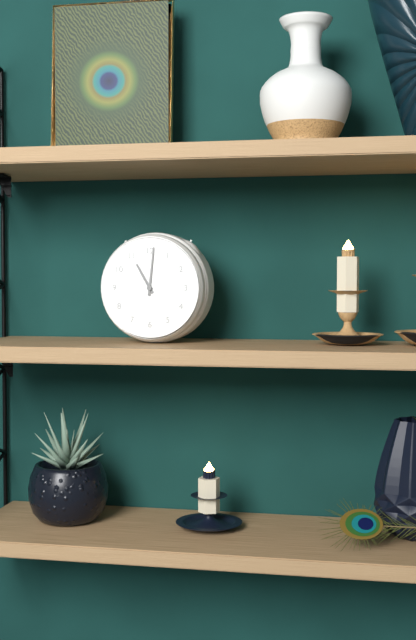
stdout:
11,01
